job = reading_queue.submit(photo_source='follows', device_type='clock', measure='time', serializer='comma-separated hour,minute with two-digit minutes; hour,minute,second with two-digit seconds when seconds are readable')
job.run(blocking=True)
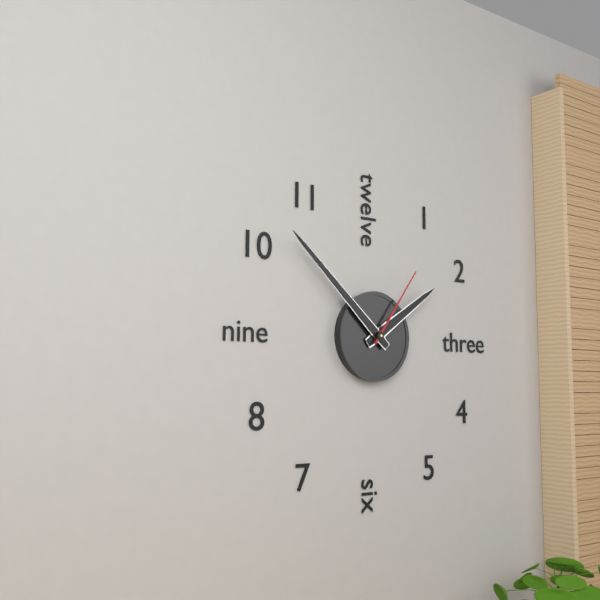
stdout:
1,52,06
